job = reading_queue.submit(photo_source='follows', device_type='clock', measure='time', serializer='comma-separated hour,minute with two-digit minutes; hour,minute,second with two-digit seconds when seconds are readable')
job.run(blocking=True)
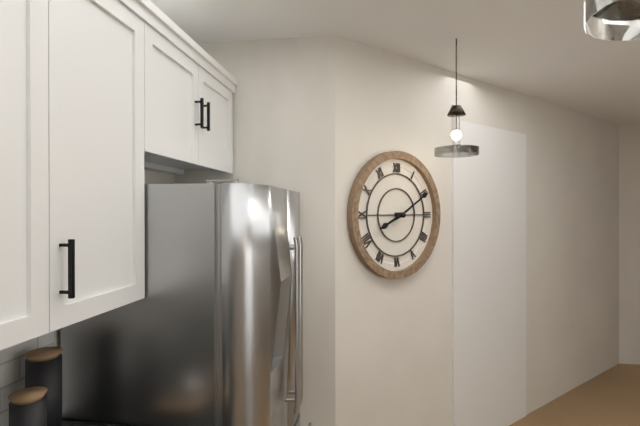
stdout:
8,10
